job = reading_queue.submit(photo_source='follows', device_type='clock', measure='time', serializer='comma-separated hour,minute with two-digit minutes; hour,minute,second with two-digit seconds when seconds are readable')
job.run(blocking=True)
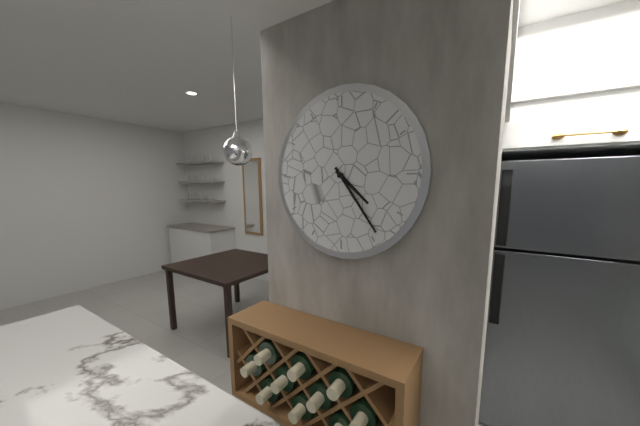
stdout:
4,24
